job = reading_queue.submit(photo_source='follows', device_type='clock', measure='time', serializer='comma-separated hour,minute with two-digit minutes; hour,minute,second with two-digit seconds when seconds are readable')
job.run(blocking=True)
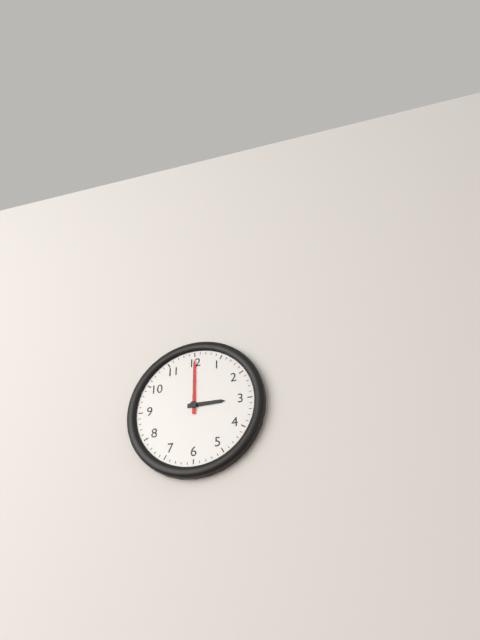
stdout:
3,00
